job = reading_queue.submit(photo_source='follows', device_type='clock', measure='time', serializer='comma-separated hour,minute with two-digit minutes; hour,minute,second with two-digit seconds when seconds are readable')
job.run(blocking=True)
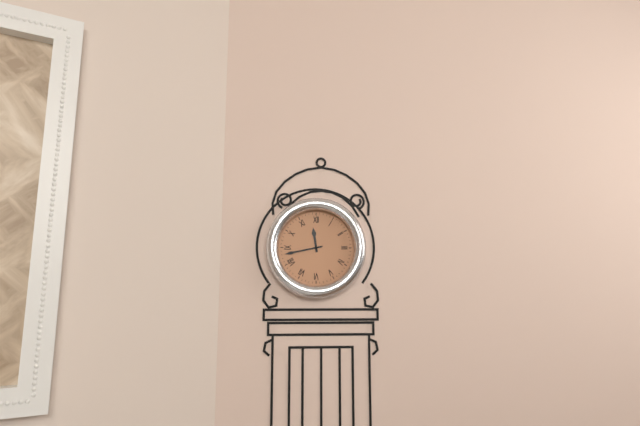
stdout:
11,43
